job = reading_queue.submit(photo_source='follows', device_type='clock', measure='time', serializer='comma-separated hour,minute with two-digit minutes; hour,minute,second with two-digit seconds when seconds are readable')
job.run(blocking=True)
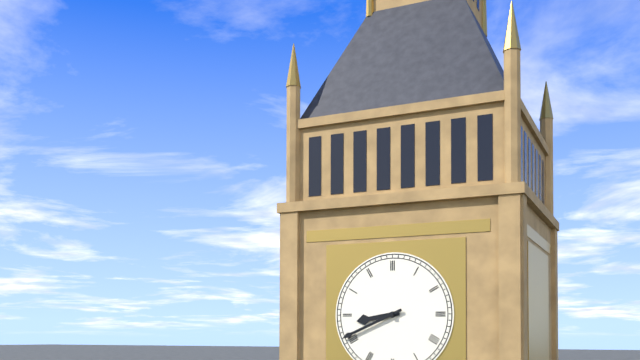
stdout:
8,41
